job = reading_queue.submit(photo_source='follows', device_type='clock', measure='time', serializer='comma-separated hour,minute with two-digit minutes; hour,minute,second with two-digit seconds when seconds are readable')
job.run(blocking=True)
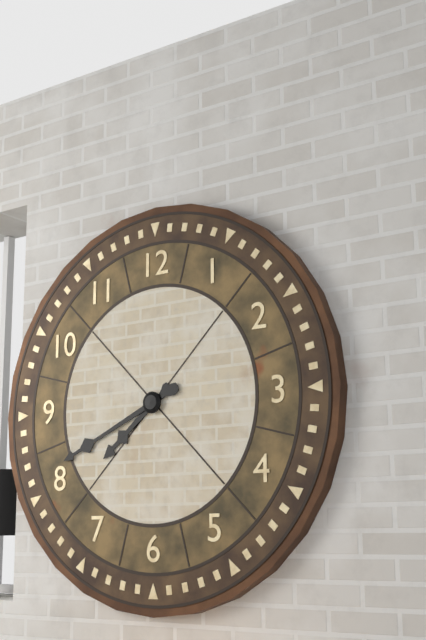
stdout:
7,41
